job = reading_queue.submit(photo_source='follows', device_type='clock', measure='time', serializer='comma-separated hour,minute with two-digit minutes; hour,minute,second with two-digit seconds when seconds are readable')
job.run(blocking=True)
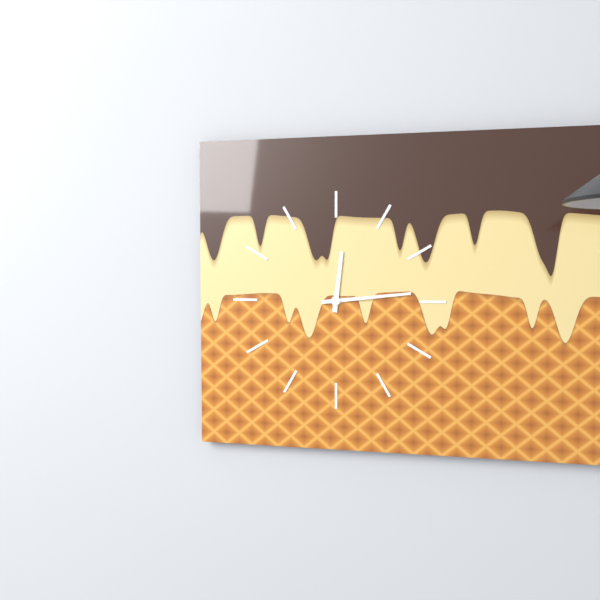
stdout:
12,14
